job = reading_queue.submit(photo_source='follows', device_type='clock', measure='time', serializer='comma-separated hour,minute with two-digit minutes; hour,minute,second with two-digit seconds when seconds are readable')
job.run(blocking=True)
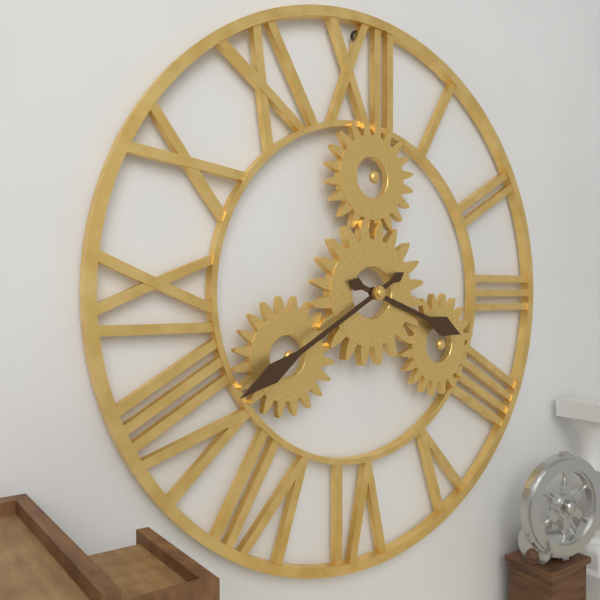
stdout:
3,40
